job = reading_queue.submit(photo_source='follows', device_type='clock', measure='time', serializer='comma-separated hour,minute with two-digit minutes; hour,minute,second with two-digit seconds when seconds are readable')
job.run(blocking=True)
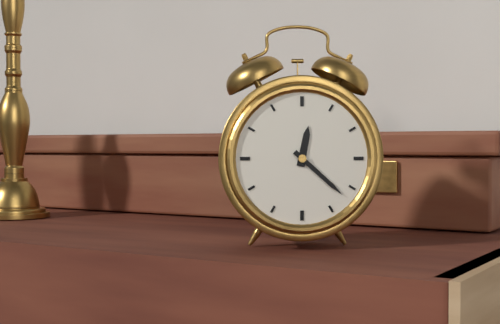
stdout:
12,22
